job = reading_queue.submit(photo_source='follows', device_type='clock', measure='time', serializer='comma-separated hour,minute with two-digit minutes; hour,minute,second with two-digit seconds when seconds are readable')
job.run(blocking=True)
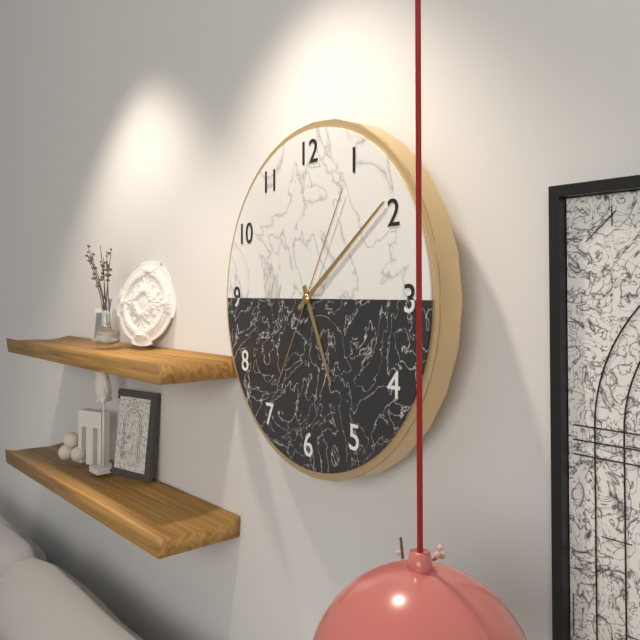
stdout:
5,09,05
